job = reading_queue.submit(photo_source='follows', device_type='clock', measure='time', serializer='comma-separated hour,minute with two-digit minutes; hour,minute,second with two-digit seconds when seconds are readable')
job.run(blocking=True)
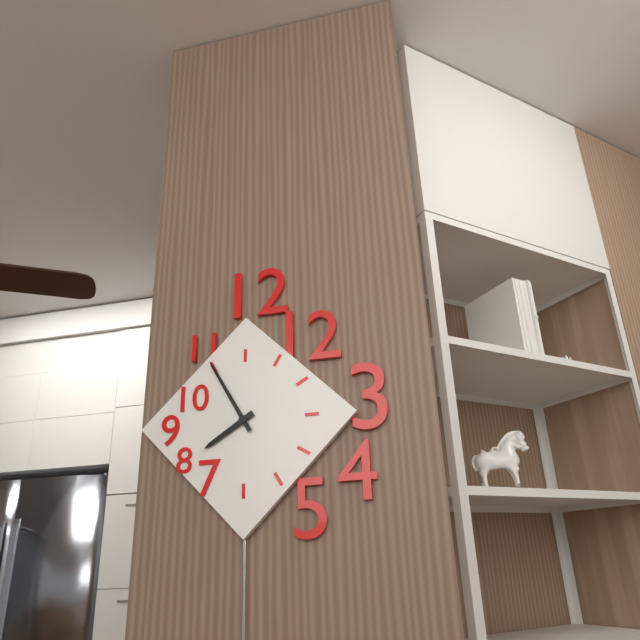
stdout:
7,55
